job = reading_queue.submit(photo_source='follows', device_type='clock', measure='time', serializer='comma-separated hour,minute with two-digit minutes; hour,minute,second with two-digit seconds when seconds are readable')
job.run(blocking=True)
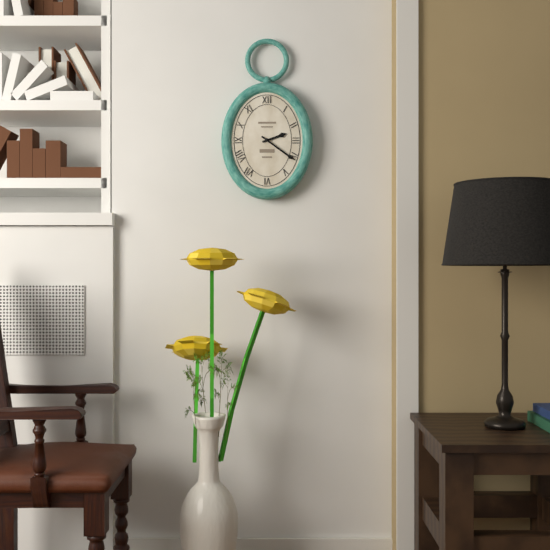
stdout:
2,21
